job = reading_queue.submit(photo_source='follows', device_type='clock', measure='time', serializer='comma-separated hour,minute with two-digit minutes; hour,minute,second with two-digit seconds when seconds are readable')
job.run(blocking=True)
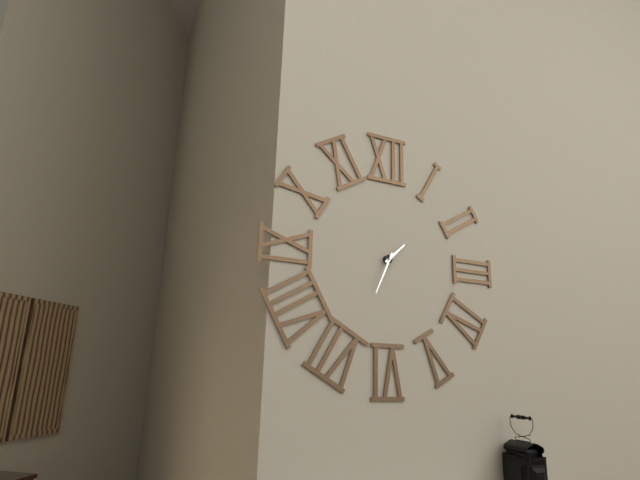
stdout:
1,34
